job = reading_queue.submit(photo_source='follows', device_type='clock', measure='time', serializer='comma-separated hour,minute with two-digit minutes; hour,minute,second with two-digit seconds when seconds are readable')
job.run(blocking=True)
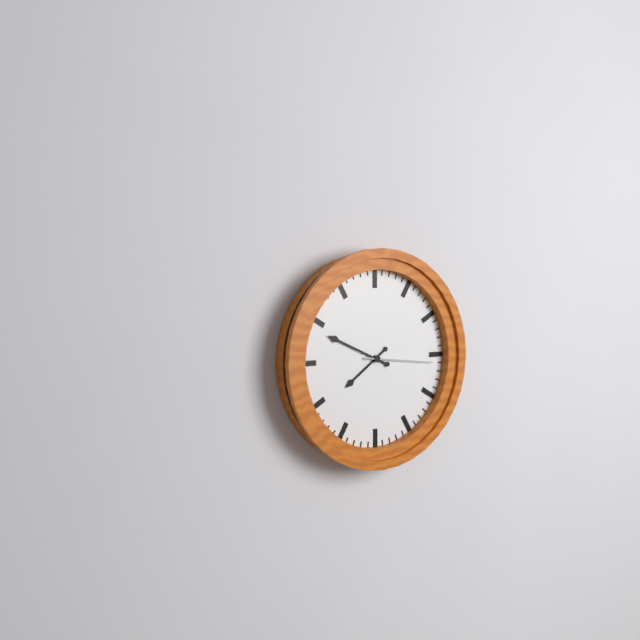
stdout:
7,49,16
